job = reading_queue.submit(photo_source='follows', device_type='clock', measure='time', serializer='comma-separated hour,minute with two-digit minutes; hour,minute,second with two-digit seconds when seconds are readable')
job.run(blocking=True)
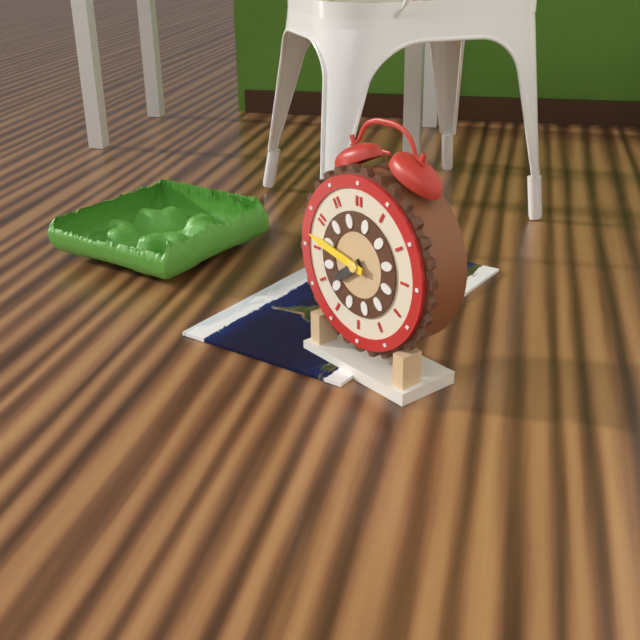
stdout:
7,47
